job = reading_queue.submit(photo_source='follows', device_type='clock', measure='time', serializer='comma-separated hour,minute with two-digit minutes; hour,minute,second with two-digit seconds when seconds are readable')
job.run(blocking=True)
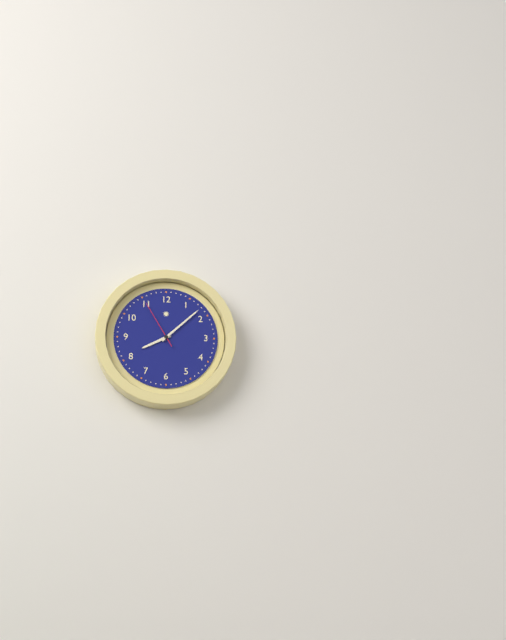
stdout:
8,08,55
